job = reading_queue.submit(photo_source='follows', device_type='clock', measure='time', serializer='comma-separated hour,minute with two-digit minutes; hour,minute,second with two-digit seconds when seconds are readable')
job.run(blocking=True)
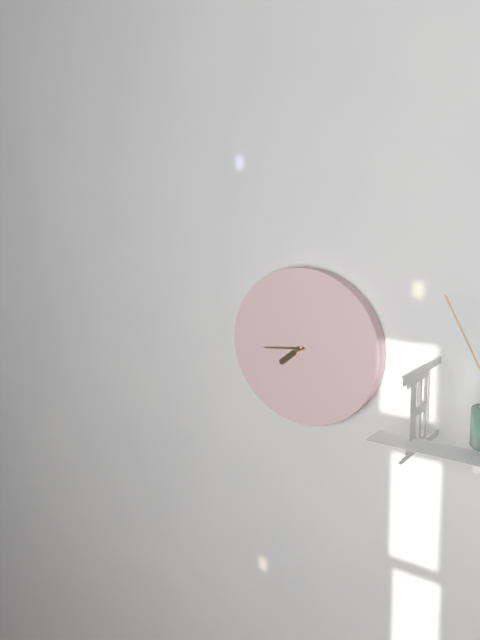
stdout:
7,44
